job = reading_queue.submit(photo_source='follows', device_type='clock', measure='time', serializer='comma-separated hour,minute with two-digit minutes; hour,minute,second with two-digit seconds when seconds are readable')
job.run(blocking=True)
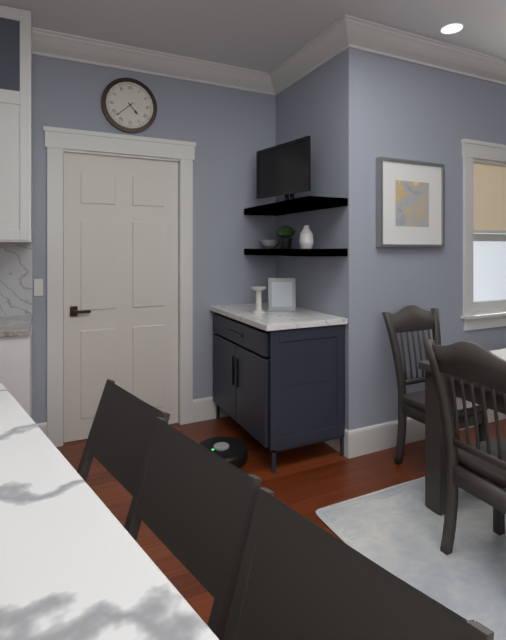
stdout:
4,38
